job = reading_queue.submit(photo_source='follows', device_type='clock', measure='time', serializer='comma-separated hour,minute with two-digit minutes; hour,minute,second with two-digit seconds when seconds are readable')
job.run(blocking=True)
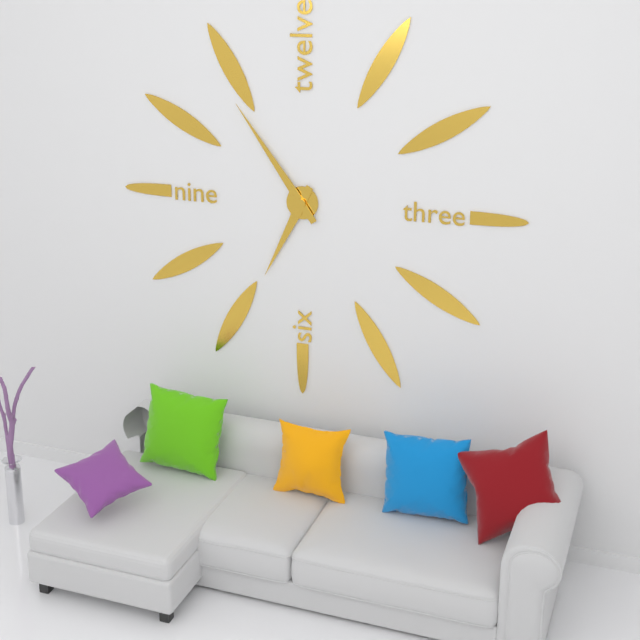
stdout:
6,54
